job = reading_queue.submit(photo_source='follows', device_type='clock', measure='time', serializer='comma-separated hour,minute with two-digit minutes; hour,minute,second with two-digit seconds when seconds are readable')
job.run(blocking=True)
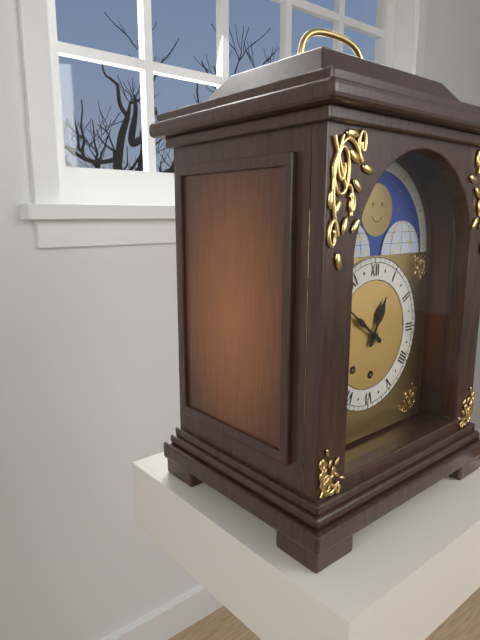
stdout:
12,51
